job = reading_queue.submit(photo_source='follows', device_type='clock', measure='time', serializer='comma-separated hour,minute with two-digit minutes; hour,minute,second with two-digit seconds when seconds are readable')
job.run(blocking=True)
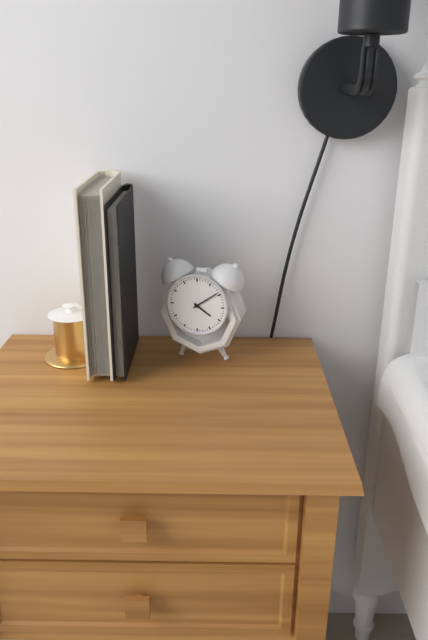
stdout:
4,09
